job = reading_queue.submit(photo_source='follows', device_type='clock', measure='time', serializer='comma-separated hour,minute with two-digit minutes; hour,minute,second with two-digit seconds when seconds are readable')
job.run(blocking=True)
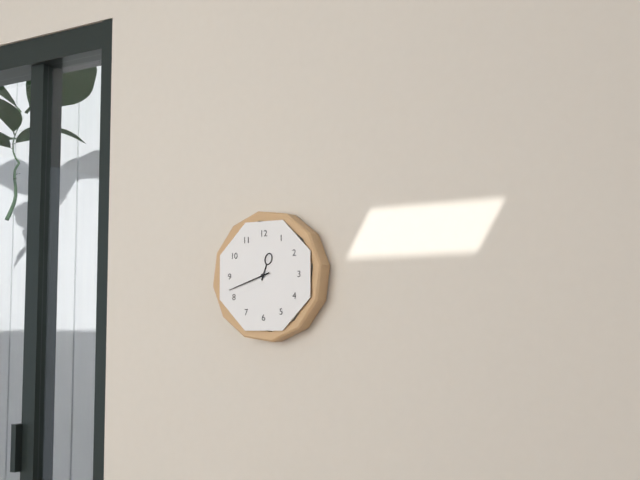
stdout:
12,42
